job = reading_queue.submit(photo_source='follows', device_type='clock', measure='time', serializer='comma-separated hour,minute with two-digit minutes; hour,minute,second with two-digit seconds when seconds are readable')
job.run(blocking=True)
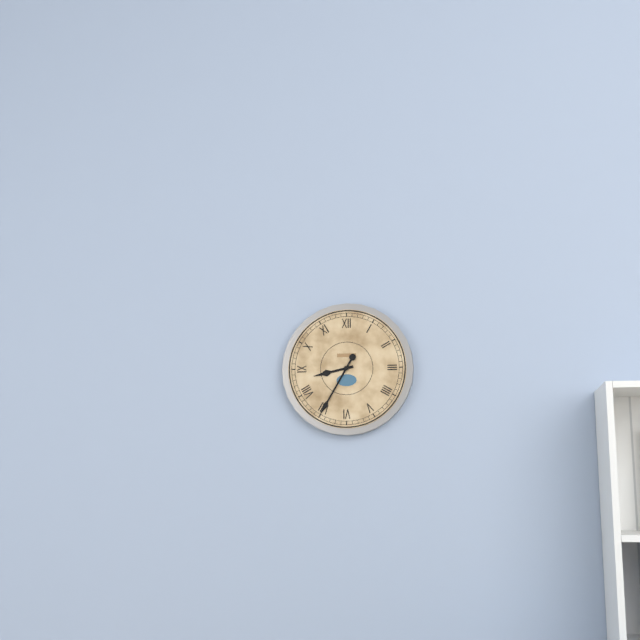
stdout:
8,35
